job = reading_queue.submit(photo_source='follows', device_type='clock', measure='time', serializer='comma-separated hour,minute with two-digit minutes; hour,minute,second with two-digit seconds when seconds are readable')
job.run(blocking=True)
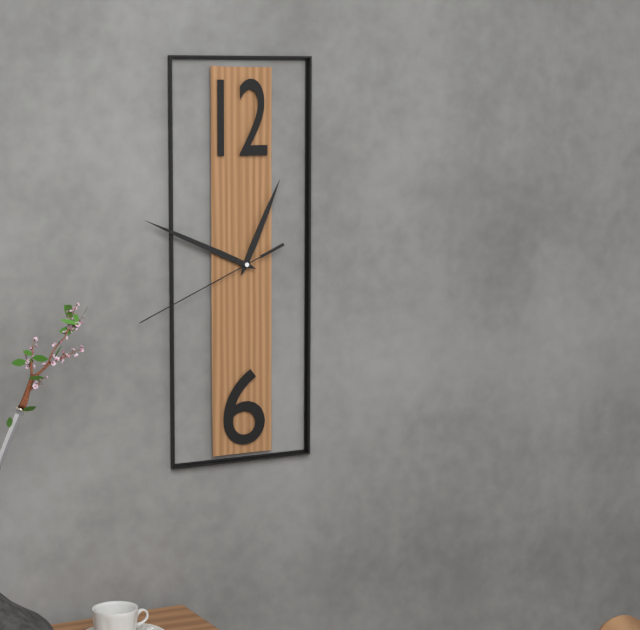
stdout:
12,49,41
